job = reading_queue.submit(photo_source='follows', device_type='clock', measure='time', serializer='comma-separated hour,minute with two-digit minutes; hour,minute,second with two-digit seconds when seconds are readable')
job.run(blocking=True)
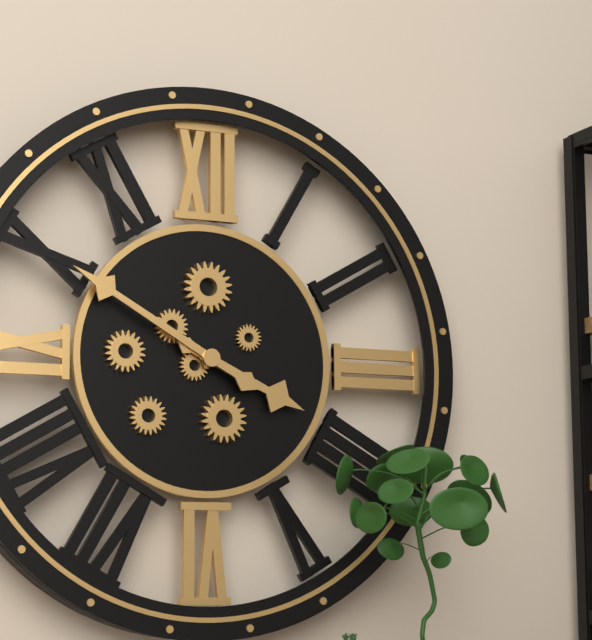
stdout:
3,50
